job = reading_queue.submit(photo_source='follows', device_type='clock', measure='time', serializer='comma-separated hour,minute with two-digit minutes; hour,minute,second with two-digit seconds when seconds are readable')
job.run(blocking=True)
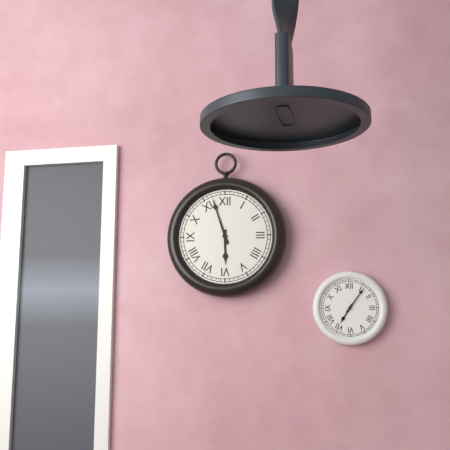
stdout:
5,57
